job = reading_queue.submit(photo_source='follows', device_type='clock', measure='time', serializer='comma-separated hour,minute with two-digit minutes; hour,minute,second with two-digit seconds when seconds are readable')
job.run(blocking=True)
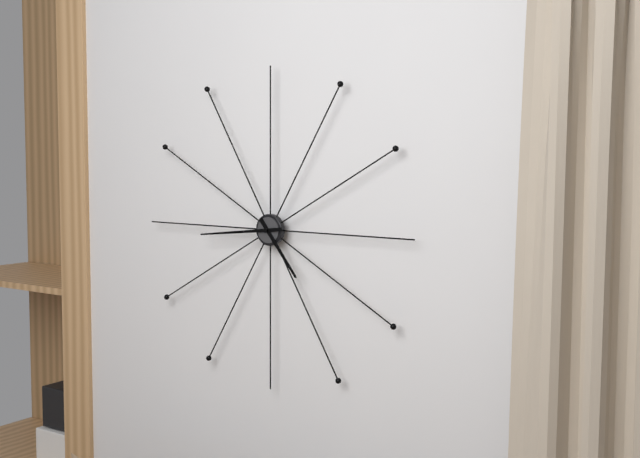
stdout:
4,44
